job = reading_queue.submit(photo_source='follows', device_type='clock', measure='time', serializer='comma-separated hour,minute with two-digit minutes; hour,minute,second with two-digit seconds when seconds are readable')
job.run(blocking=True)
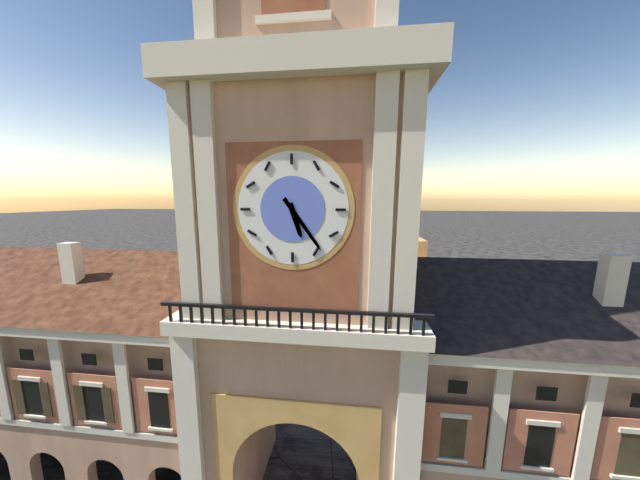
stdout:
5,24
